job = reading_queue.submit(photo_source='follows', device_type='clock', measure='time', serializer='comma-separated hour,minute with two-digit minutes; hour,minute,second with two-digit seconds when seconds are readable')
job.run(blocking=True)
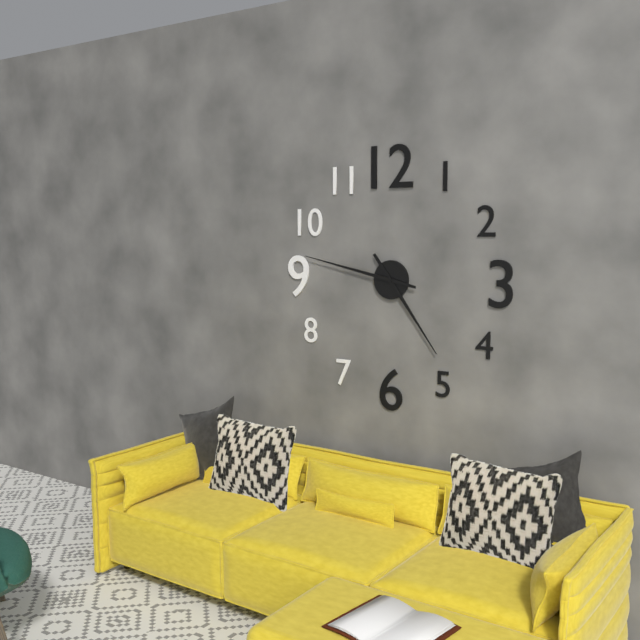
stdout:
4,47
